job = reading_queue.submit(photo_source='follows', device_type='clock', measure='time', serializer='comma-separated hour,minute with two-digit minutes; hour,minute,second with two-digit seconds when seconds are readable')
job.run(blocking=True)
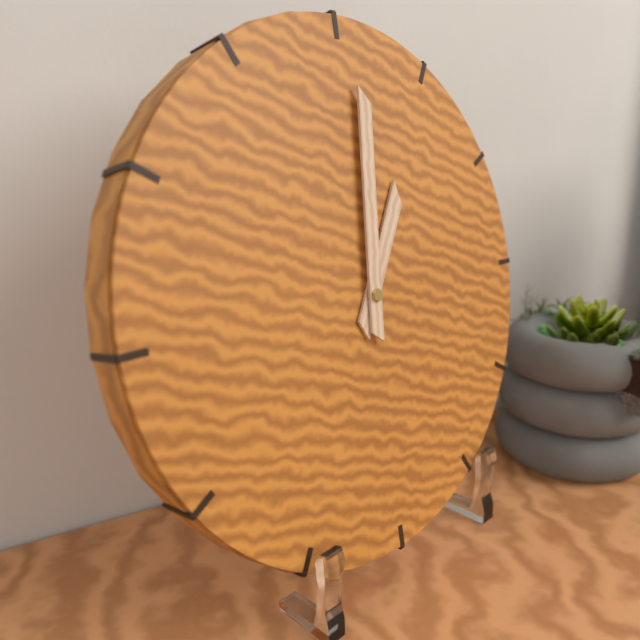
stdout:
1,01
